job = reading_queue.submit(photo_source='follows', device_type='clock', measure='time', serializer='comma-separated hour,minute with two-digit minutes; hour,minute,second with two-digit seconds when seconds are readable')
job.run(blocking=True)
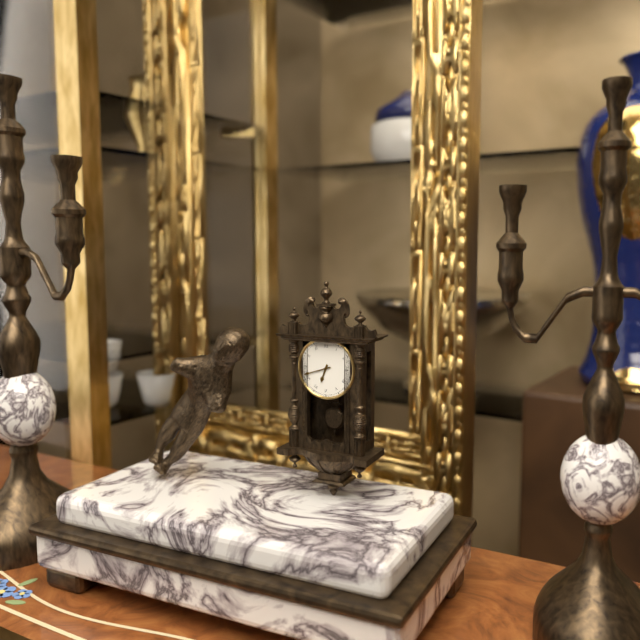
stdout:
6,42
